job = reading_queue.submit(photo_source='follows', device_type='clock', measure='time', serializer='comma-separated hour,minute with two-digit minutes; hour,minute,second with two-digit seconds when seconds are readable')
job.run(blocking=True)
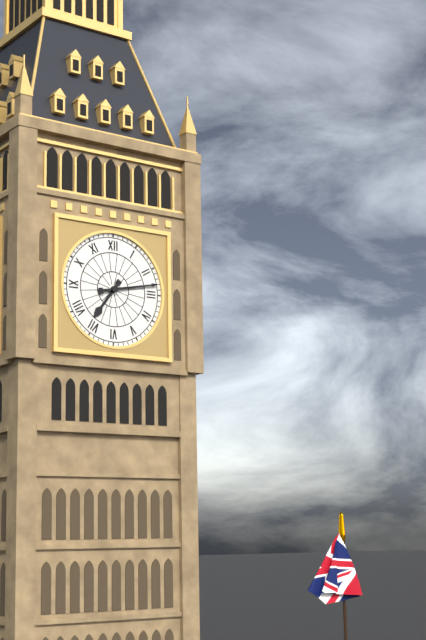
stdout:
7,13
